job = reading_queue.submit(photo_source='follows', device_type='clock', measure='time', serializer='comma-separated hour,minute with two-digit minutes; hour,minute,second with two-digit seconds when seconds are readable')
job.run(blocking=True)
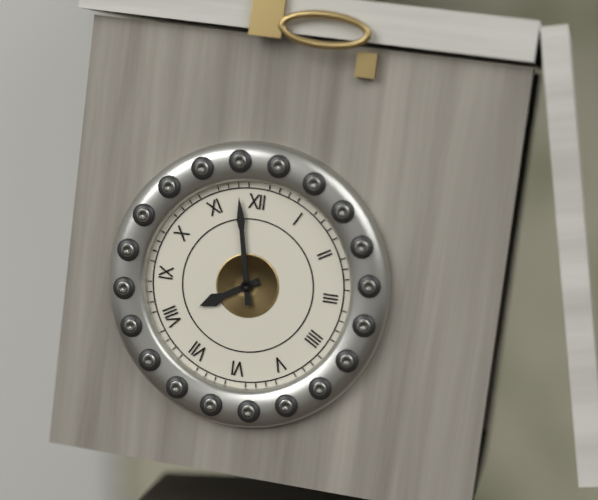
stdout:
7,58
